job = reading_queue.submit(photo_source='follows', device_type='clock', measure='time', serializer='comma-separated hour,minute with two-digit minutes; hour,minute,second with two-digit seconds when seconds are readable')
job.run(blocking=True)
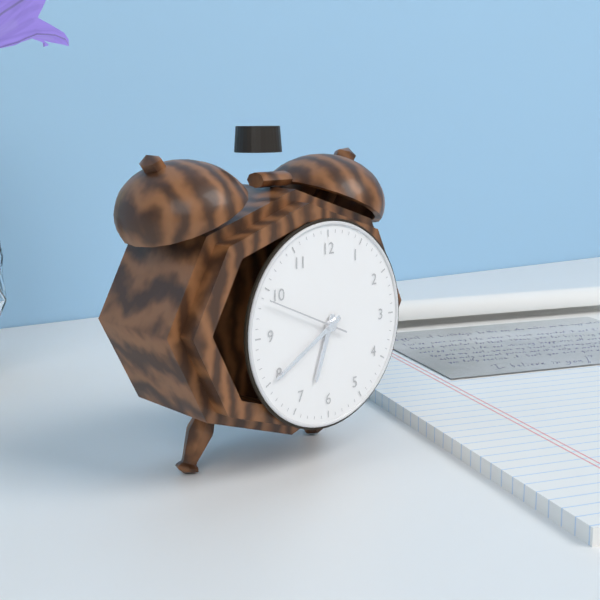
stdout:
6,40,49
